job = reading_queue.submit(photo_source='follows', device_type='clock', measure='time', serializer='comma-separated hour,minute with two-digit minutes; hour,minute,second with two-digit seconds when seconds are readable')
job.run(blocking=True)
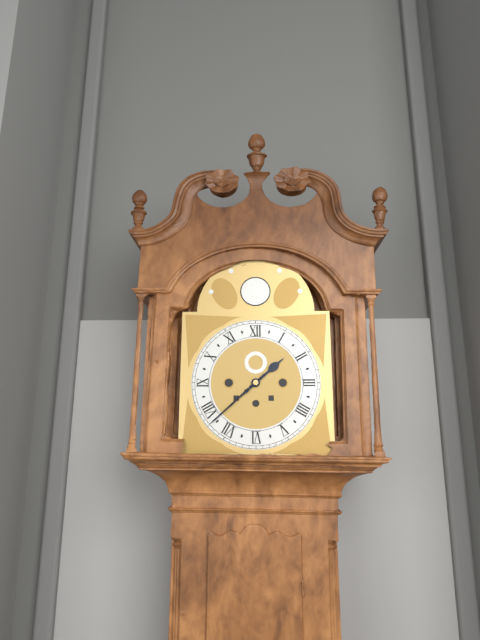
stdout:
1,38
